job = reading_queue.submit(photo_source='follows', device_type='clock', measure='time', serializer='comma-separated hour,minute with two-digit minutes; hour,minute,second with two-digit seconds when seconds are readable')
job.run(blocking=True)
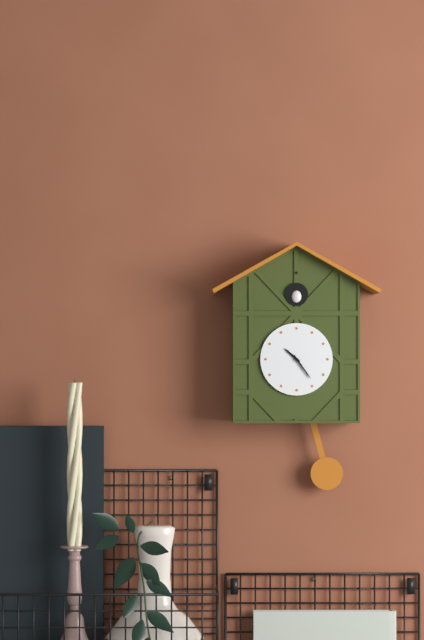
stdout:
10,24
